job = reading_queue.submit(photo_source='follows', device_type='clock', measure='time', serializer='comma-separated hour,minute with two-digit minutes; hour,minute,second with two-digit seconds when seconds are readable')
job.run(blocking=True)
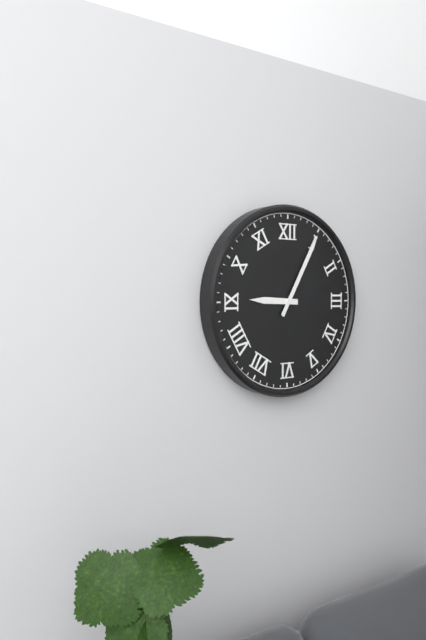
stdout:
9,05
